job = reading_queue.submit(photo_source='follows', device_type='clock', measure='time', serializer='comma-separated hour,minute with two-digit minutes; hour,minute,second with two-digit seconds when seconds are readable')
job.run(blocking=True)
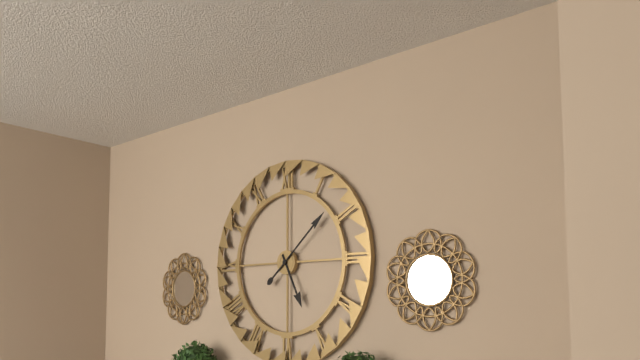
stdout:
5,08
